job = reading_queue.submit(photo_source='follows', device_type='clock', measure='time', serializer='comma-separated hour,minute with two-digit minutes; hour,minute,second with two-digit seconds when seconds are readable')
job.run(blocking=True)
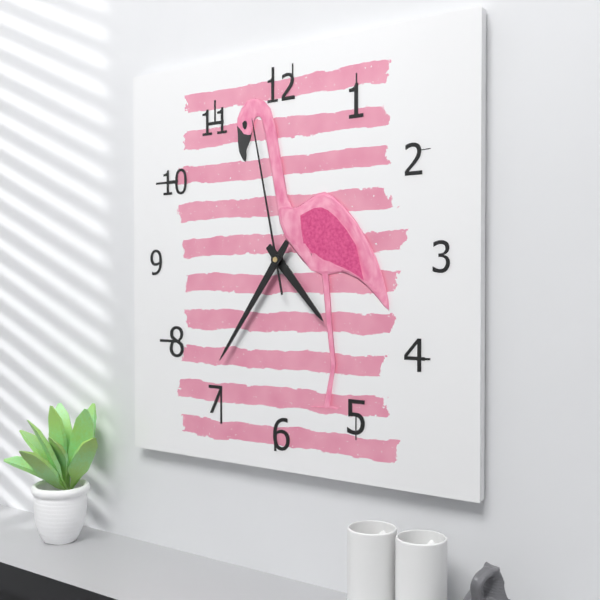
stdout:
4,36,58
